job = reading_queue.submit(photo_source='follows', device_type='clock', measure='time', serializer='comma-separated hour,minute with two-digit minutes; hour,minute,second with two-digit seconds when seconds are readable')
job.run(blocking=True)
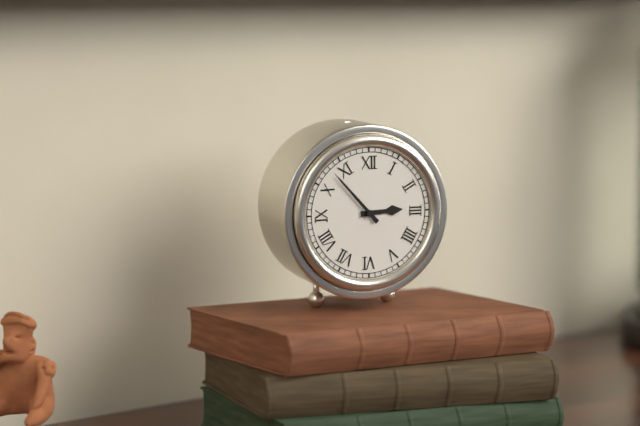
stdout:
2,53
